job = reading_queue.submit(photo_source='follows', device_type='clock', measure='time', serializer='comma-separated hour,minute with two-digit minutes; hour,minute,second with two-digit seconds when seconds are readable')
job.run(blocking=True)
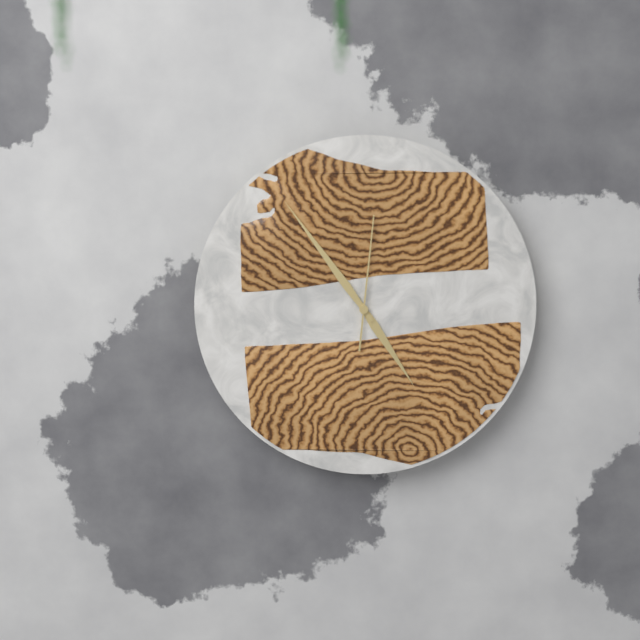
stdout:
4,54,01
